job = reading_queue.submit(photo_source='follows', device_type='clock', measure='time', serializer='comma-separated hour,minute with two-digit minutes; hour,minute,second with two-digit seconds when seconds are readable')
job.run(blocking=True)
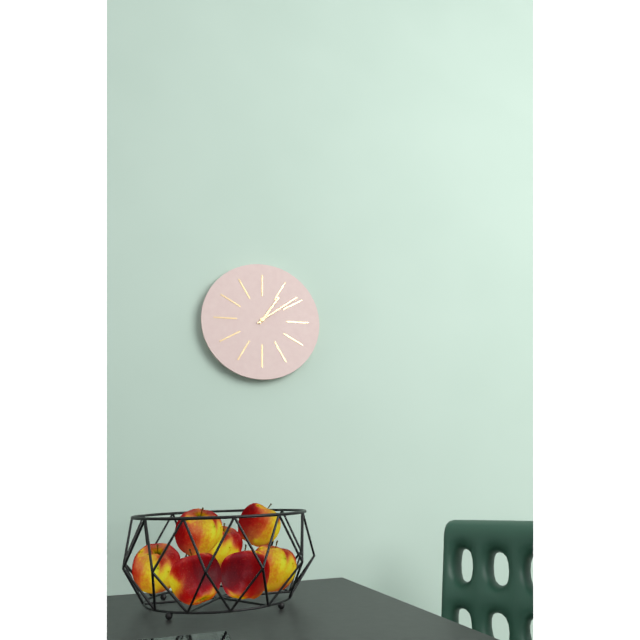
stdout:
1,09
